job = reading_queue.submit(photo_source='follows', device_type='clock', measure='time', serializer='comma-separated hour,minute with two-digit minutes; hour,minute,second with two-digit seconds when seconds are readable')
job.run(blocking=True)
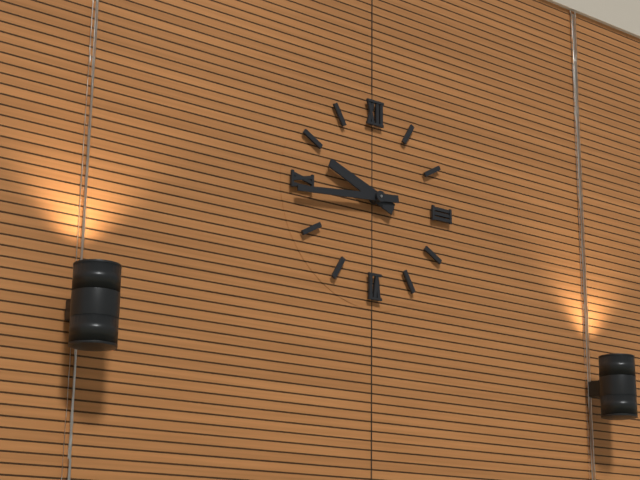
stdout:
9,44
